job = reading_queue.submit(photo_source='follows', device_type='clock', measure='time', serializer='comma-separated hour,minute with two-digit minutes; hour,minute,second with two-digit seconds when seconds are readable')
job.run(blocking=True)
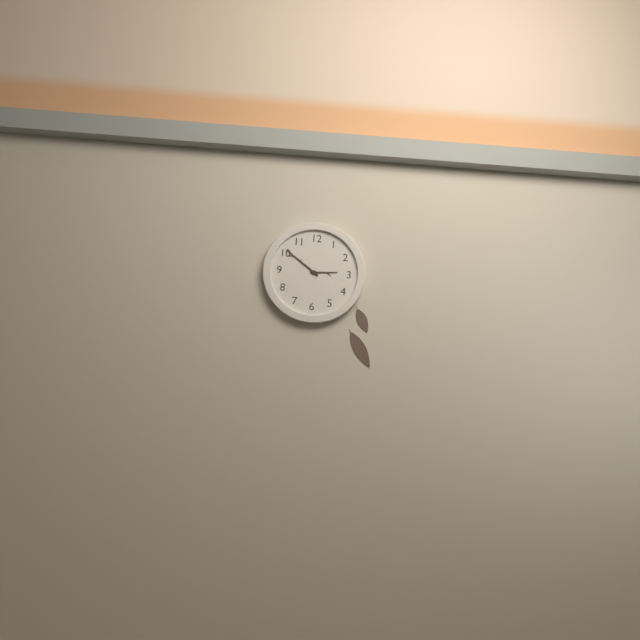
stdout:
2,51
